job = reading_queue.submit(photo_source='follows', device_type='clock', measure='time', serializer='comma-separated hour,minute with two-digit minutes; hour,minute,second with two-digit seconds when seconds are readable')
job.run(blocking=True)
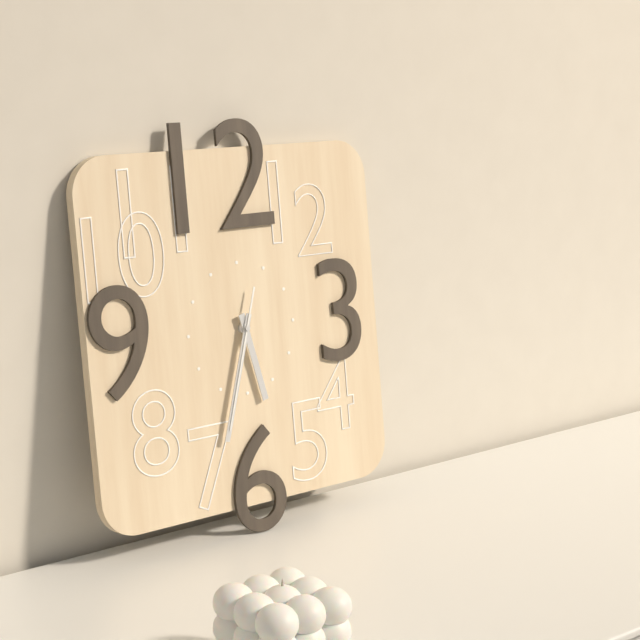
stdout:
5,33,33
